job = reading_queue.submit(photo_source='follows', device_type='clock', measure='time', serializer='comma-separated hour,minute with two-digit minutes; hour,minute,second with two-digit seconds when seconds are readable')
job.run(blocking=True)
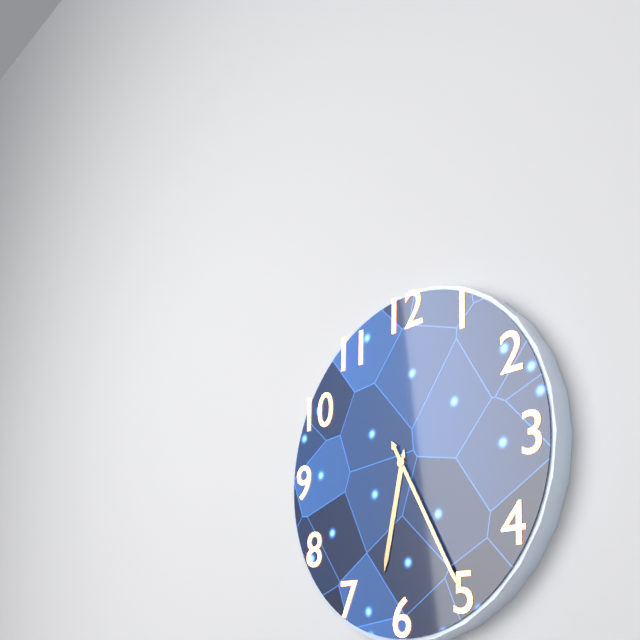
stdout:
6,25
